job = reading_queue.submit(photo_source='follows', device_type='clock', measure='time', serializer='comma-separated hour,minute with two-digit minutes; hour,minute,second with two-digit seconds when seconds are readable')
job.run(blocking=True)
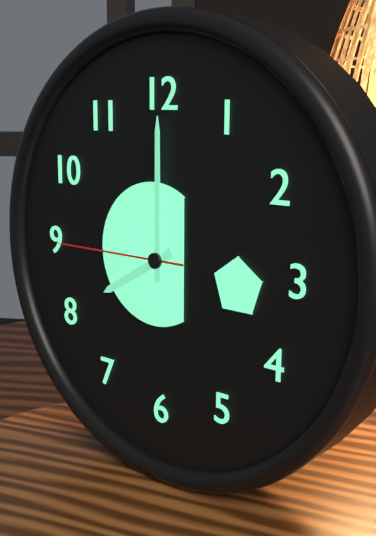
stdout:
8,00,45
